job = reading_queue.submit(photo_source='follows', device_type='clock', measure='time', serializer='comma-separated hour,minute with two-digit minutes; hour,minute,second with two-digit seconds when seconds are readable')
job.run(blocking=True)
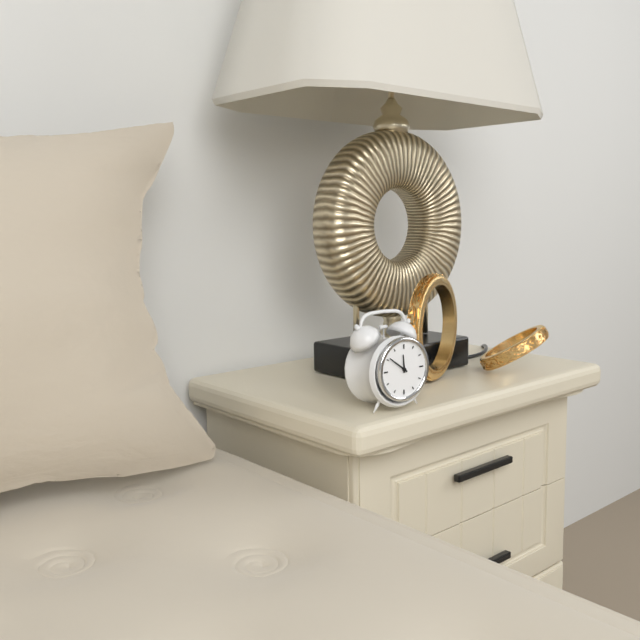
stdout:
11,51
